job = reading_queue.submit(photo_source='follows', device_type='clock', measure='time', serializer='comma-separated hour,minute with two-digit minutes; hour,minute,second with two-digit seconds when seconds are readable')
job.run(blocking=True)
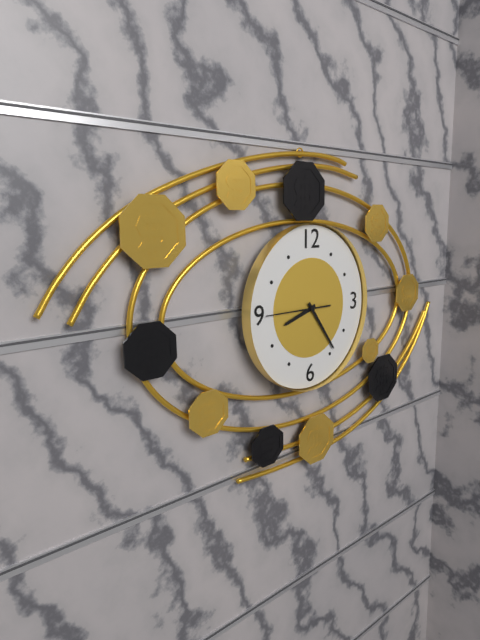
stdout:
8,24,45
